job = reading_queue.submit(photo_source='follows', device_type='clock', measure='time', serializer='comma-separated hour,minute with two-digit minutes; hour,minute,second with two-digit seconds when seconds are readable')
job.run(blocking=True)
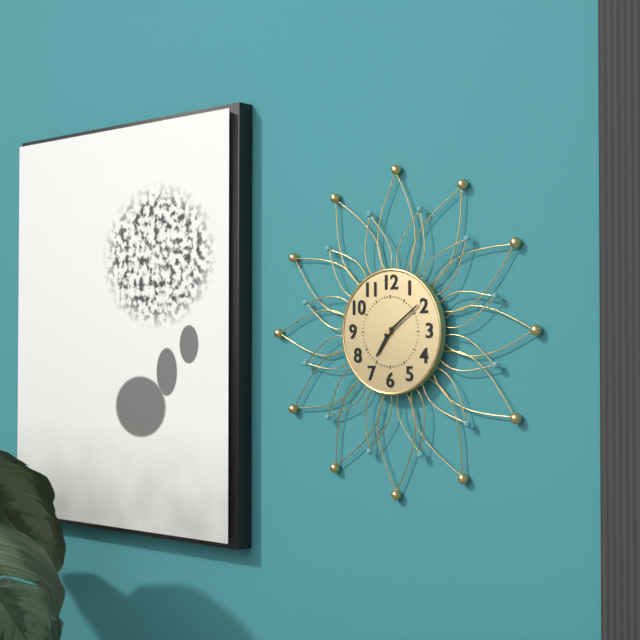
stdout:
7,09
